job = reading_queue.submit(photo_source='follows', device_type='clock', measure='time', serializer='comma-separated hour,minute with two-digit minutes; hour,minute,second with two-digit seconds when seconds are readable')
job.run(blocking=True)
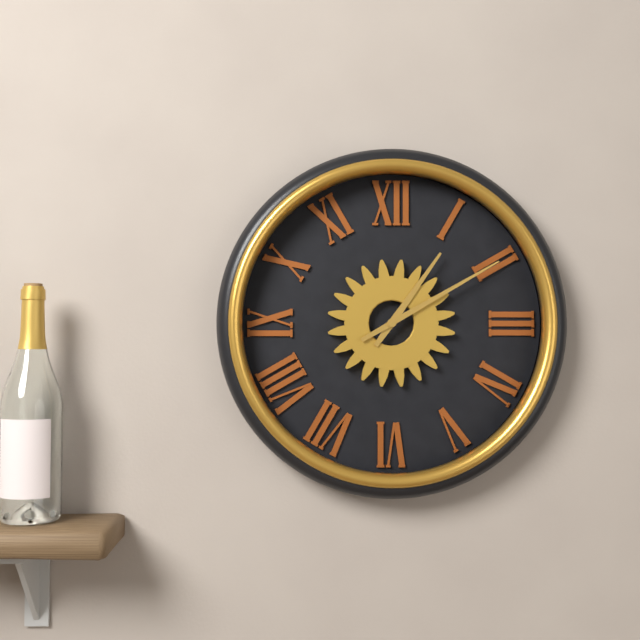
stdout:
1,10
